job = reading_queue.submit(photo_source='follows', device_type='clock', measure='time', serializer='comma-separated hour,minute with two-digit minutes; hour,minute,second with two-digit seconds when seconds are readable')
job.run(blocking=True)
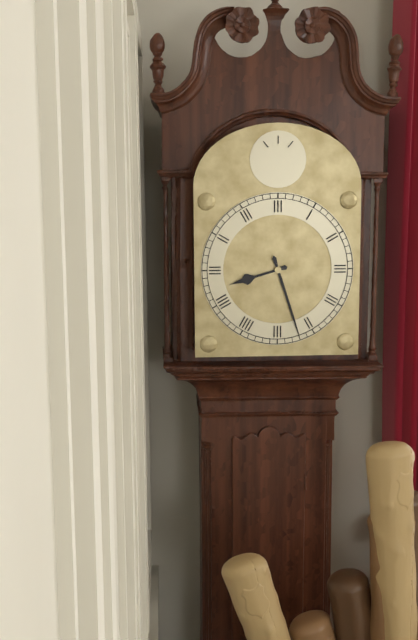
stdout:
8,27
